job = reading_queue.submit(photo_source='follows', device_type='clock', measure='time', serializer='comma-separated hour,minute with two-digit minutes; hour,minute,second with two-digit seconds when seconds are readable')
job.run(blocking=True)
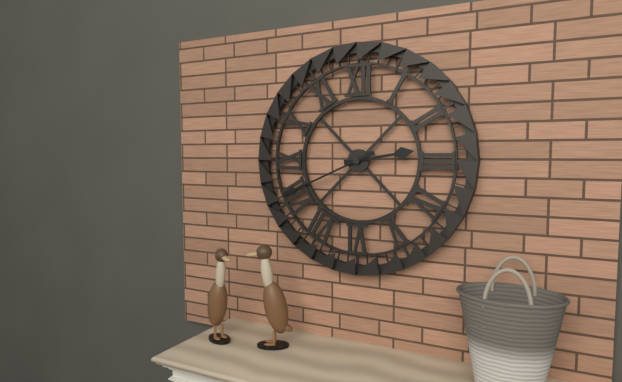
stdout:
2,41
